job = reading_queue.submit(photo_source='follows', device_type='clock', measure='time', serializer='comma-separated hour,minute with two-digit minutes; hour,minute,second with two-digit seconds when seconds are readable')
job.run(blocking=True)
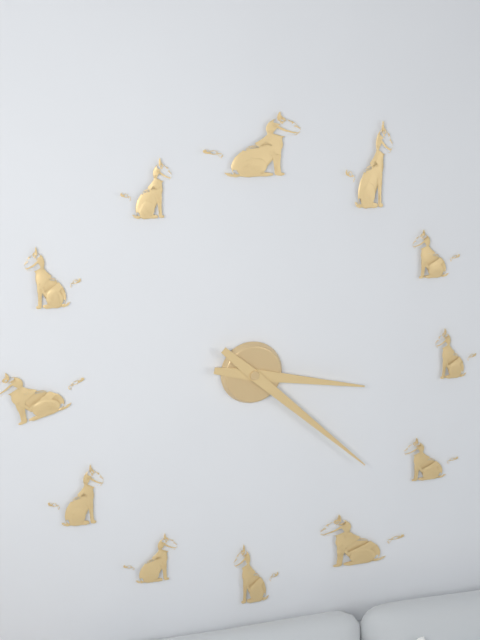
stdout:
3,22
